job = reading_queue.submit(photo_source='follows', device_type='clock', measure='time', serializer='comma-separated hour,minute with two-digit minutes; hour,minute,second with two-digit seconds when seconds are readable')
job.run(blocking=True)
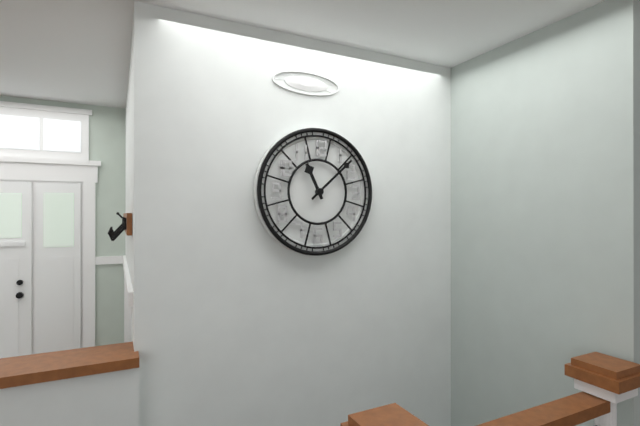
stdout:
11,08
